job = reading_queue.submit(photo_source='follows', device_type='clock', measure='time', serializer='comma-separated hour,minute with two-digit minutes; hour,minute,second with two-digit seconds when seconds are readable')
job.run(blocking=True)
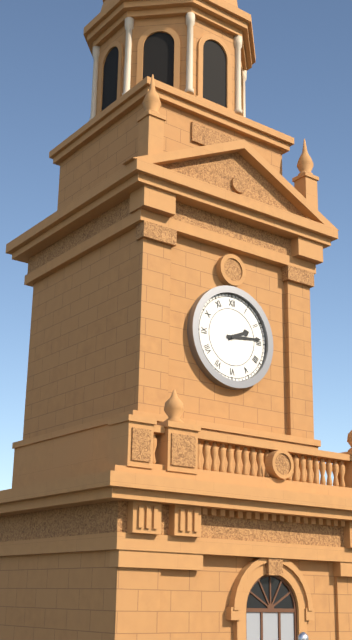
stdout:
2,14
